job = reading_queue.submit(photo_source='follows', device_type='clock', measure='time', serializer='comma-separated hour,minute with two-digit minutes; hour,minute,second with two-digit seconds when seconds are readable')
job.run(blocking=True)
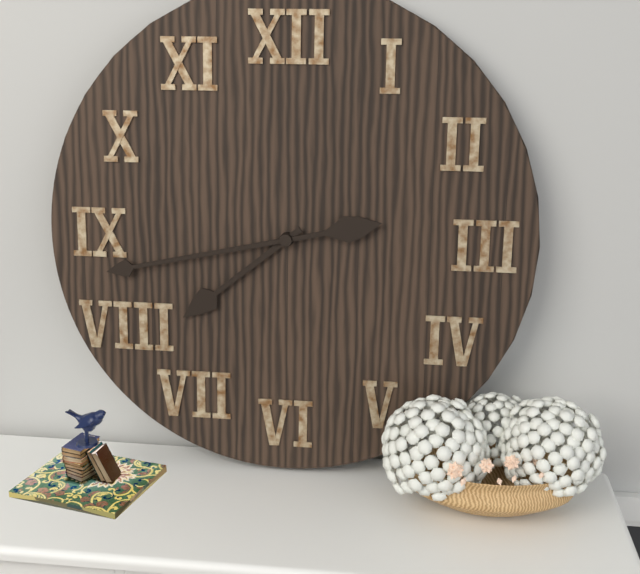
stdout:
7,43
